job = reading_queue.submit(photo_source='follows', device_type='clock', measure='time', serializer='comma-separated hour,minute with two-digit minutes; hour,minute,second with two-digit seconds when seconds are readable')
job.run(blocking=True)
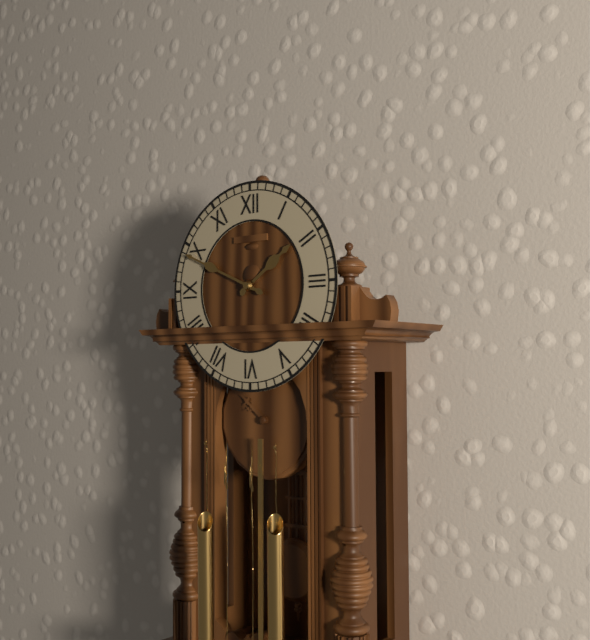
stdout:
1,49
